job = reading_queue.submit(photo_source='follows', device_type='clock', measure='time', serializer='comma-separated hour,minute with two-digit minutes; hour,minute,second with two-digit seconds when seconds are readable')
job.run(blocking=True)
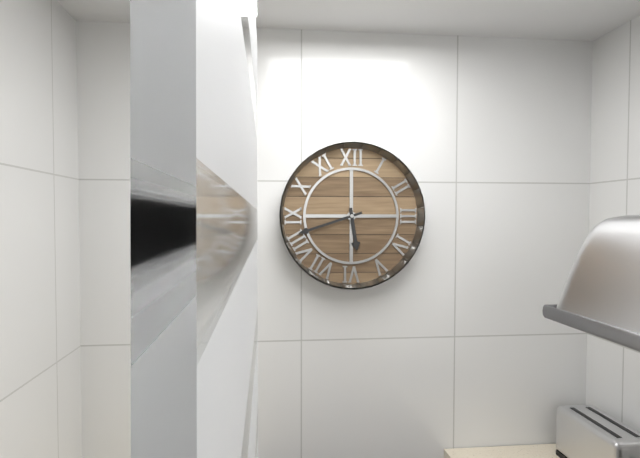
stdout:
5,42
